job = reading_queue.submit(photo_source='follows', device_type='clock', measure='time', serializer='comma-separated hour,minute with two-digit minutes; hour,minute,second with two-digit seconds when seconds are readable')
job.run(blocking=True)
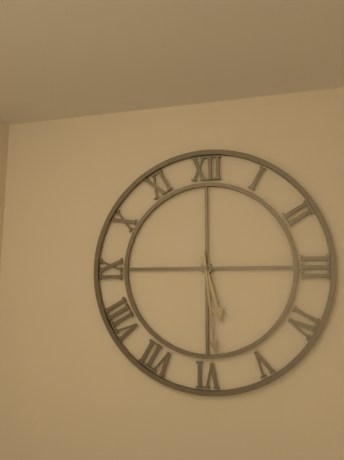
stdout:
5,29
